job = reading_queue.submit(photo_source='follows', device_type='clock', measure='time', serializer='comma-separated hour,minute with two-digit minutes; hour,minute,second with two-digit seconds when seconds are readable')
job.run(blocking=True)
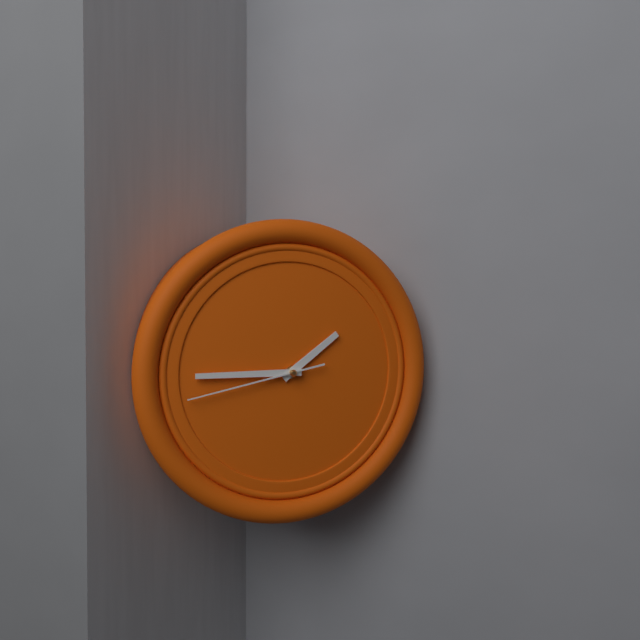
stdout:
1,45,43
